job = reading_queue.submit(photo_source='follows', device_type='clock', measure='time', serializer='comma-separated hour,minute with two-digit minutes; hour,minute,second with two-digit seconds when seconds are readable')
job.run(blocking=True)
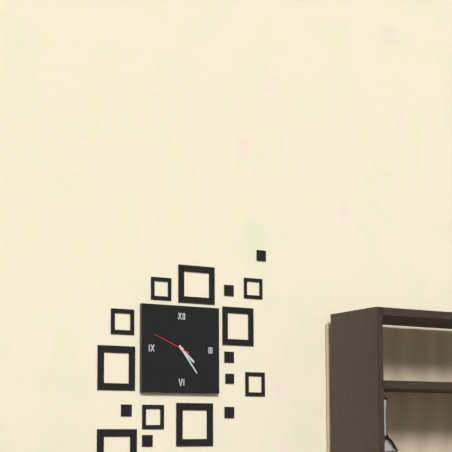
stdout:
4,24
